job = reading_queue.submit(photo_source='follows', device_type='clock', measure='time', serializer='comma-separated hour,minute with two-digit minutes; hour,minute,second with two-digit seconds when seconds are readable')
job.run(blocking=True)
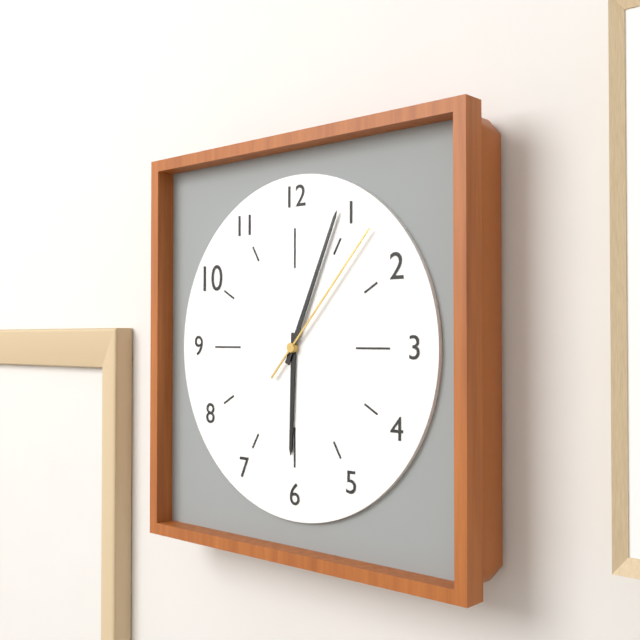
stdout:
6,04,07
